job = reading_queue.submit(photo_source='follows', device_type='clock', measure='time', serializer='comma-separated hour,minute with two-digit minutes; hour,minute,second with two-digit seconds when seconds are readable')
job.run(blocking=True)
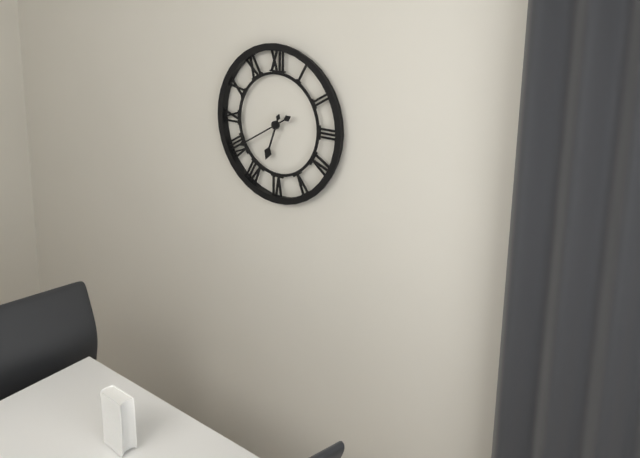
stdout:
6,40
